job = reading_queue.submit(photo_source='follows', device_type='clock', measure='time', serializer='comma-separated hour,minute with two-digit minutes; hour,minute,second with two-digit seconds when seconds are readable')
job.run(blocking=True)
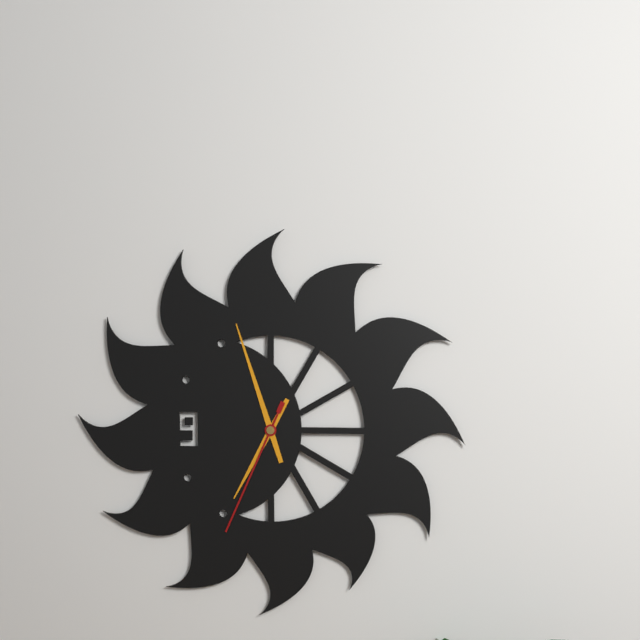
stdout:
6,57,34
